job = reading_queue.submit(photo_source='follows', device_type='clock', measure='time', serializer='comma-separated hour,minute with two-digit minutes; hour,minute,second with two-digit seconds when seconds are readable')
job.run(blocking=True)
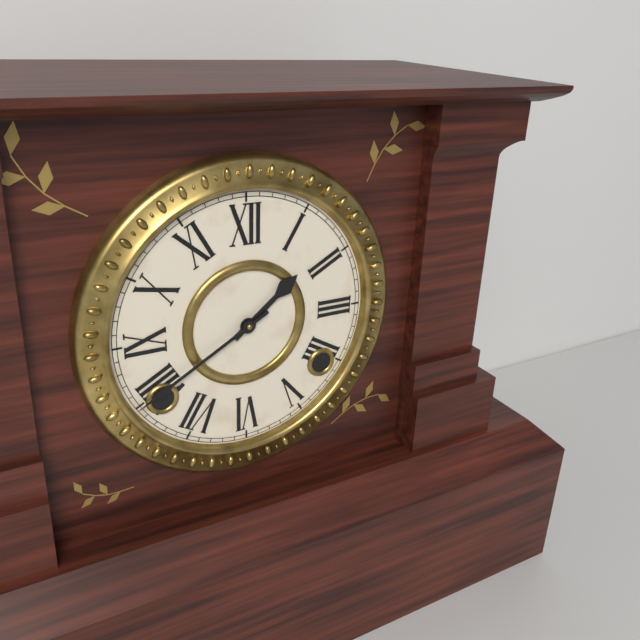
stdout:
1,40
